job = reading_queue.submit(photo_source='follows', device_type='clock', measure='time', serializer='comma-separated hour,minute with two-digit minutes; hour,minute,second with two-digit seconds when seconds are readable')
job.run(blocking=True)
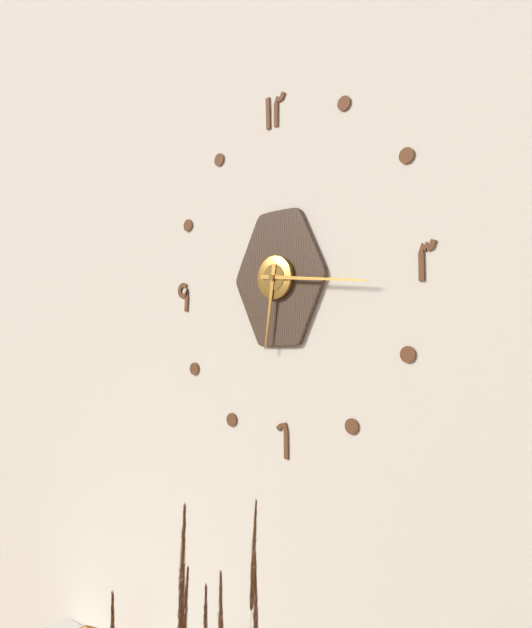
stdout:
6,16
